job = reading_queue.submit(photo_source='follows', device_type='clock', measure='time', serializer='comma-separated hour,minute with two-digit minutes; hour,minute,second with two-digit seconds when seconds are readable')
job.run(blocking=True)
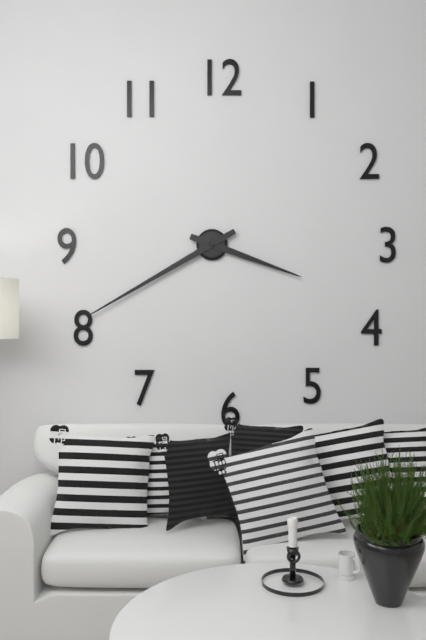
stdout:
3,40
